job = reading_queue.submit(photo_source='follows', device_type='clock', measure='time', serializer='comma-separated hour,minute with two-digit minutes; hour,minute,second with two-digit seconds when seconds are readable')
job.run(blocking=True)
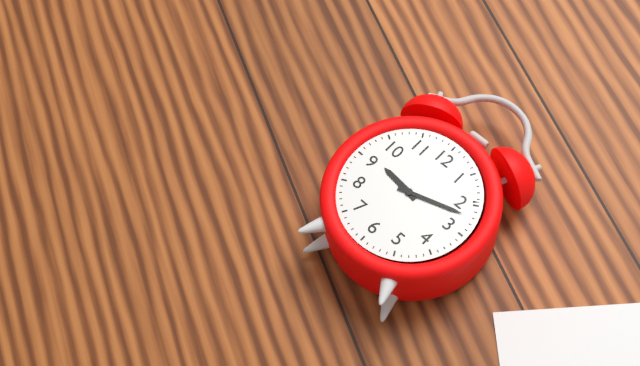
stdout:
9,12
